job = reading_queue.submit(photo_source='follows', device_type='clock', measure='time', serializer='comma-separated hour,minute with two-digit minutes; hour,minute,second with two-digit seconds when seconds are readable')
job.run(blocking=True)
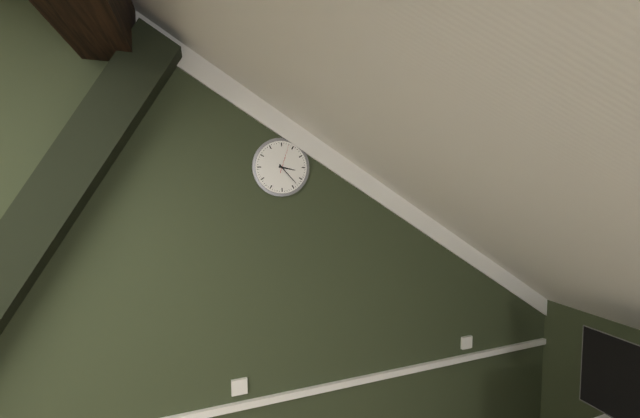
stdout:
3,23
